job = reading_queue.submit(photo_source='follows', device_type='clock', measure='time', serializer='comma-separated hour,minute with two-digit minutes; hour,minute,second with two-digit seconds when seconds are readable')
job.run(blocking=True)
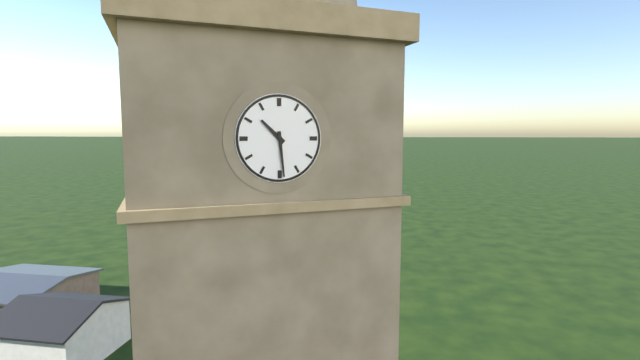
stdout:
10,29
